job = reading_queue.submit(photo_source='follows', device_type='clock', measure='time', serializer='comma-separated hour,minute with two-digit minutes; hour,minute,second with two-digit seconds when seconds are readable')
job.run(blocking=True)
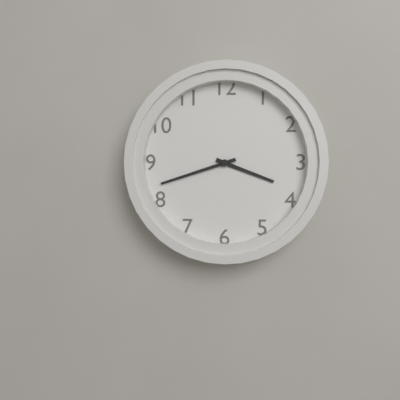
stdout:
3,42
